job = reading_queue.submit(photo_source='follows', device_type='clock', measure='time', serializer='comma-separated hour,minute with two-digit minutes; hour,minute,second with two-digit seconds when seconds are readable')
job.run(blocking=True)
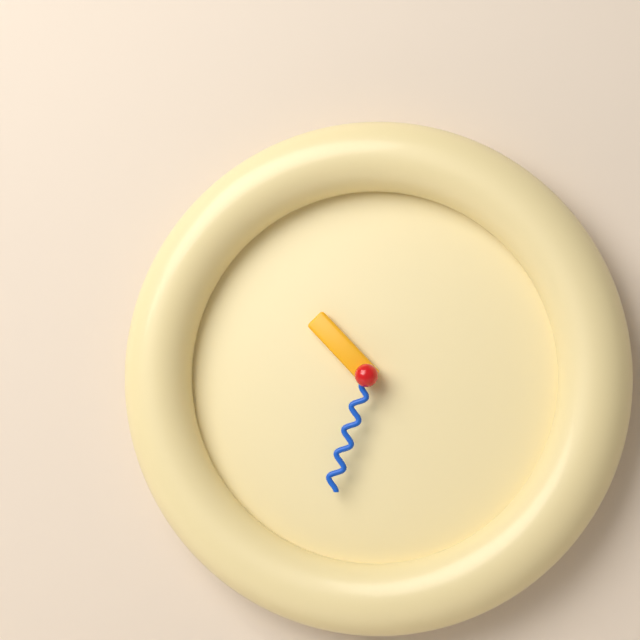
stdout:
10,33
